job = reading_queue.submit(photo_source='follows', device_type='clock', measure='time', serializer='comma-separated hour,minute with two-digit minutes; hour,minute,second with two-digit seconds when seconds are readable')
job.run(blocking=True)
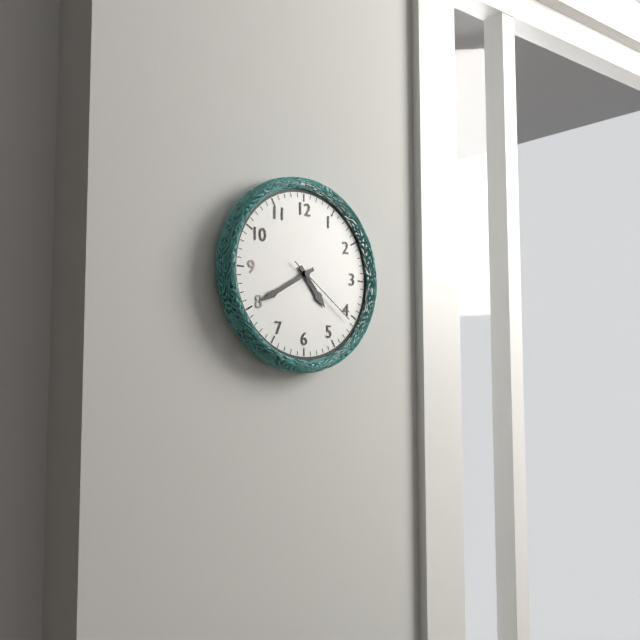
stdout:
4,40,21
